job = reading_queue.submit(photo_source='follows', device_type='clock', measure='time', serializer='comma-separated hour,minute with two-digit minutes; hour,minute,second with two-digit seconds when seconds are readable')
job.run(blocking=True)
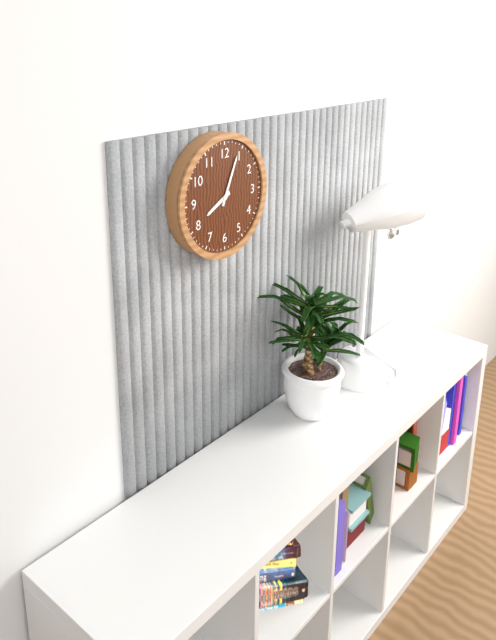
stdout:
8,04
